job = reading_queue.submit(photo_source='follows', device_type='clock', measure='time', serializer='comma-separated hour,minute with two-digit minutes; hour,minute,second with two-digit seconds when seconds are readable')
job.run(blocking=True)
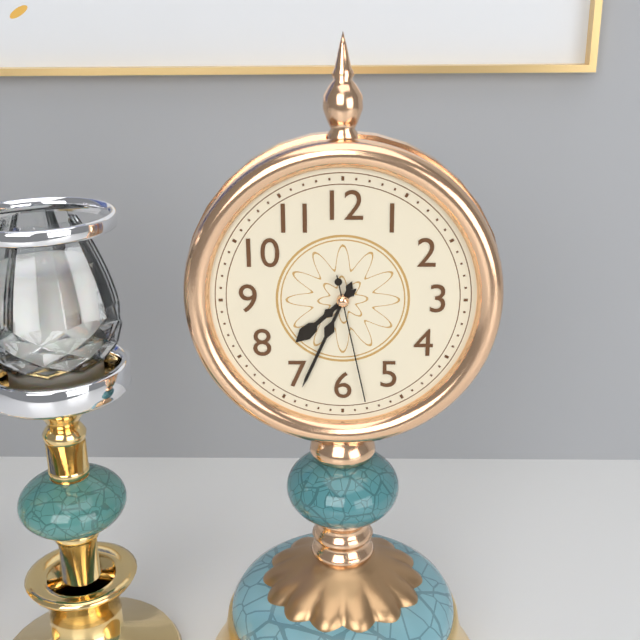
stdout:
7,34,28
